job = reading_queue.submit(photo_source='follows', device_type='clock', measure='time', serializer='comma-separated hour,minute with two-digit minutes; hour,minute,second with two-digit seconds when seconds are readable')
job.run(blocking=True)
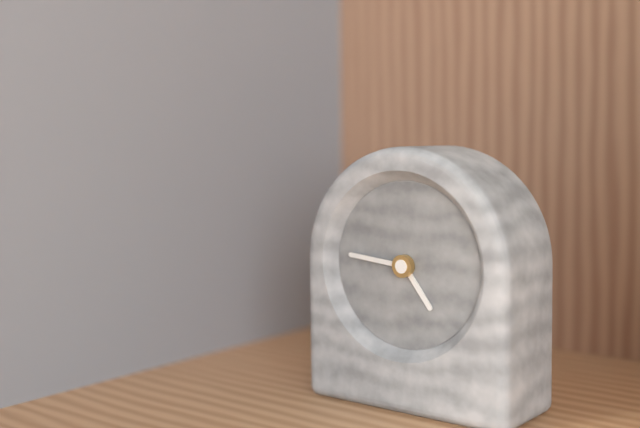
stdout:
4,46
